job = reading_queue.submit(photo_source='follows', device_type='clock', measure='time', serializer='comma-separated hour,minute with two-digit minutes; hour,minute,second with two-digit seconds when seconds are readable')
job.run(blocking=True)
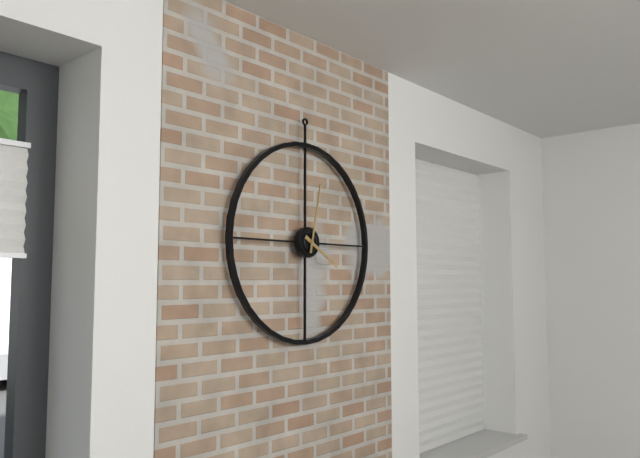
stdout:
4,02
